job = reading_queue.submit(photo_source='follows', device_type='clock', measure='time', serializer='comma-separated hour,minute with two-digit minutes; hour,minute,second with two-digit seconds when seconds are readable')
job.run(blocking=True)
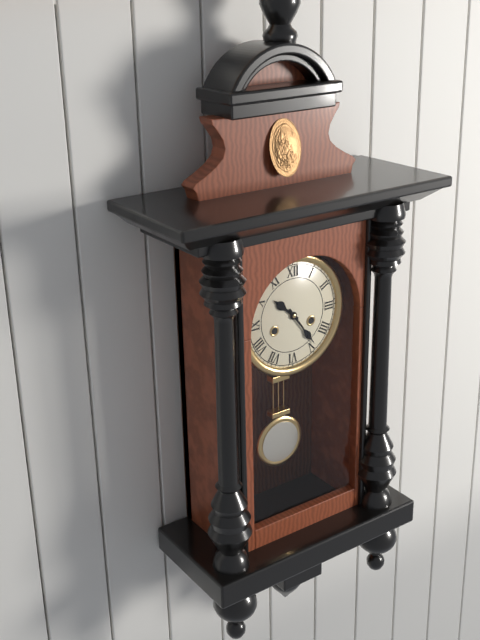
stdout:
10,24
